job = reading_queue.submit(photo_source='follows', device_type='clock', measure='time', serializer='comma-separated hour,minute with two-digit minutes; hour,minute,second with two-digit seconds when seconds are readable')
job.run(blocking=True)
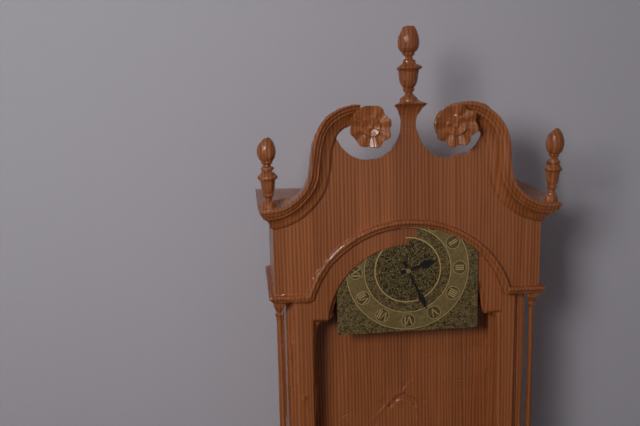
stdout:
2,26
